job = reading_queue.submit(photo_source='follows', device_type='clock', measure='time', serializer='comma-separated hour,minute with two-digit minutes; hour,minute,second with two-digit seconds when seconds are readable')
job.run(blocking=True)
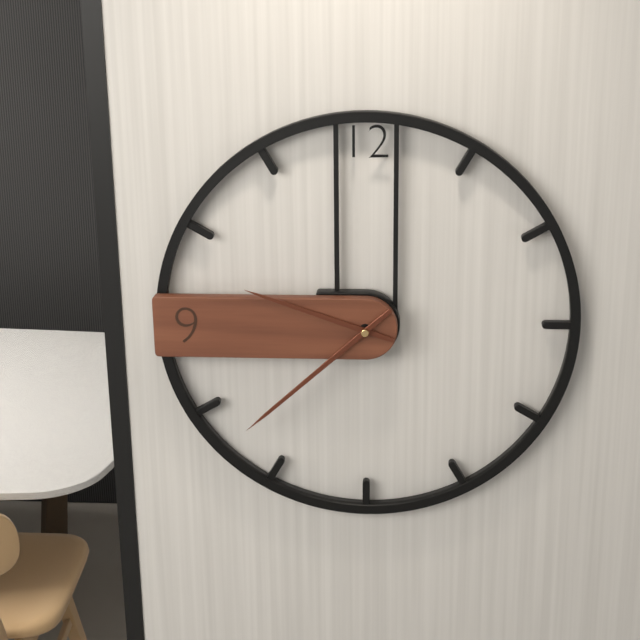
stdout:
9,38
